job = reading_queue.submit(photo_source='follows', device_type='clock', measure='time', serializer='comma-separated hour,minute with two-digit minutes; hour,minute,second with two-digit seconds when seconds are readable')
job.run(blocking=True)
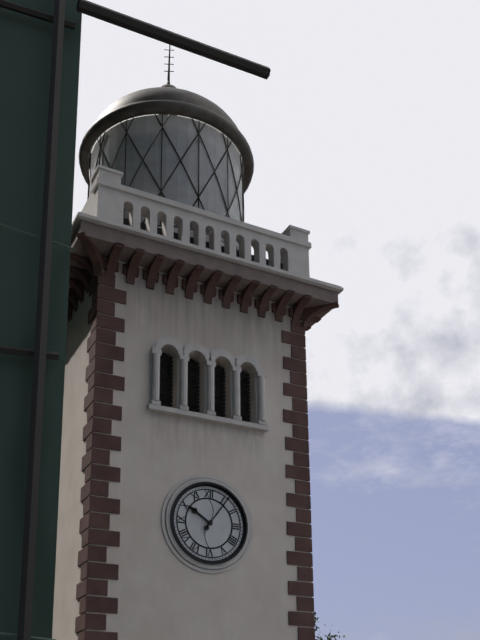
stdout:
10,06
